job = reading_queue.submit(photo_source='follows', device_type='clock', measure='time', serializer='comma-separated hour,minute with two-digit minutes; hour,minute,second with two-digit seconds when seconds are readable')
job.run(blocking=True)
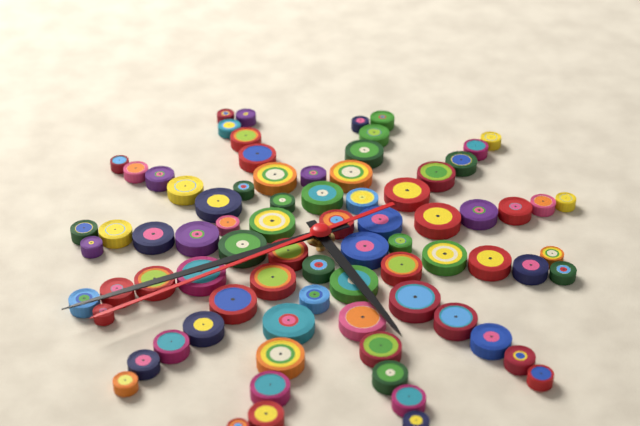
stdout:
4,38,37
